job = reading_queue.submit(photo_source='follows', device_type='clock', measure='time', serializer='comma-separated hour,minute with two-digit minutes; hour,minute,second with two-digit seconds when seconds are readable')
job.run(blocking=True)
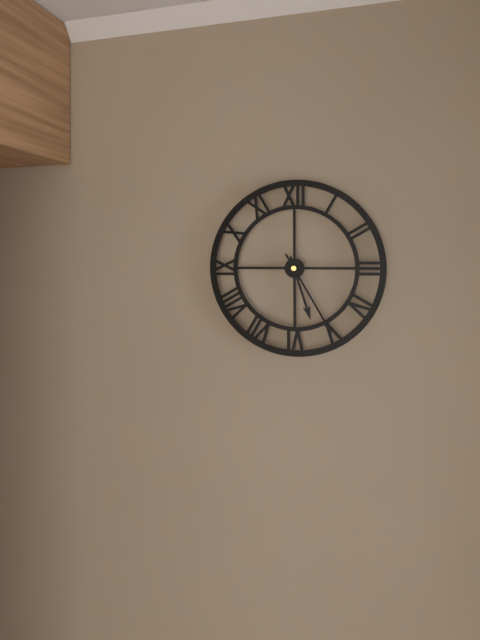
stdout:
5,25
